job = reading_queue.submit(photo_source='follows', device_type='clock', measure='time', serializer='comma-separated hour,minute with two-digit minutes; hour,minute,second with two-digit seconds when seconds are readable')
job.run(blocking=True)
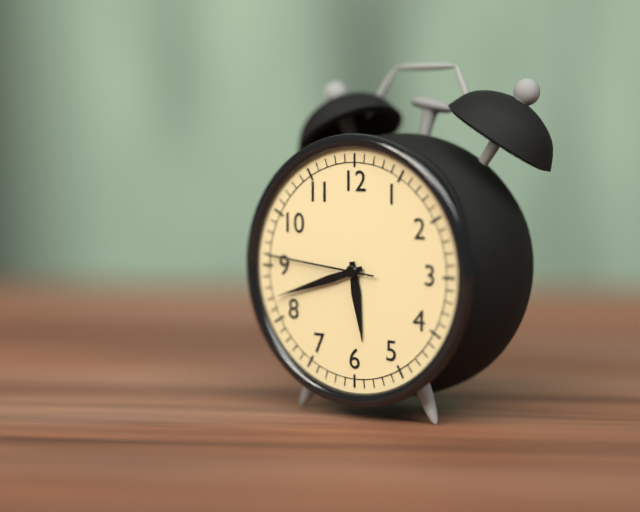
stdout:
5,42,46
